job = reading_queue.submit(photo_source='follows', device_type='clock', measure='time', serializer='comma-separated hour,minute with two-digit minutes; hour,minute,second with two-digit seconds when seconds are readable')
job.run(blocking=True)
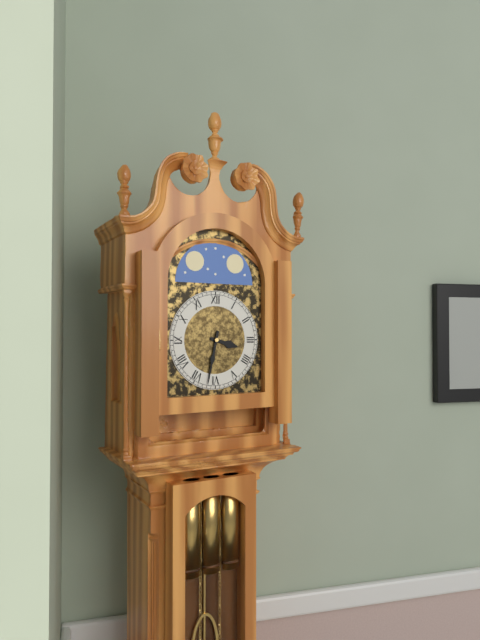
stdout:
3,32
